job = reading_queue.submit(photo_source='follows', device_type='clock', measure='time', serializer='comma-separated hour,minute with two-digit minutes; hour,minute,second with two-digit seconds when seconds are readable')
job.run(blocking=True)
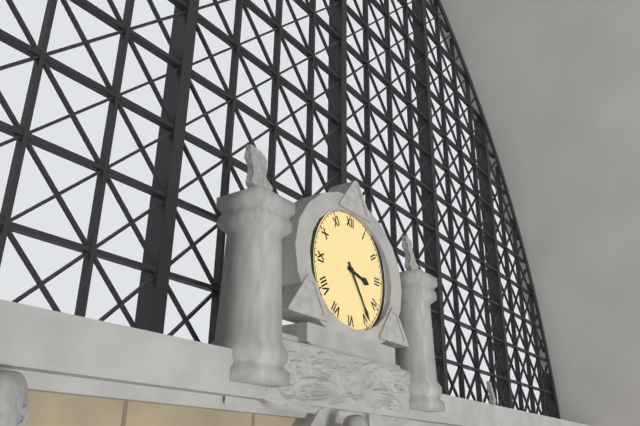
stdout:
3,24
